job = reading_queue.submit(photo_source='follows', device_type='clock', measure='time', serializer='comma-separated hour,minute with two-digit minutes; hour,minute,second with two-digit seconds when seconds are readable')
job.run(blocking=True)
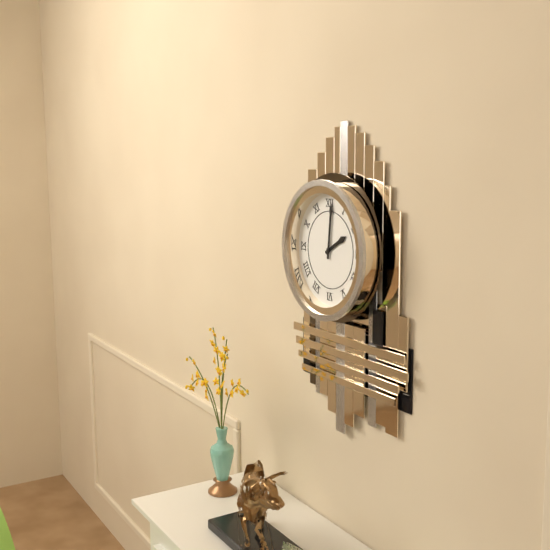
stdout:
2,01
